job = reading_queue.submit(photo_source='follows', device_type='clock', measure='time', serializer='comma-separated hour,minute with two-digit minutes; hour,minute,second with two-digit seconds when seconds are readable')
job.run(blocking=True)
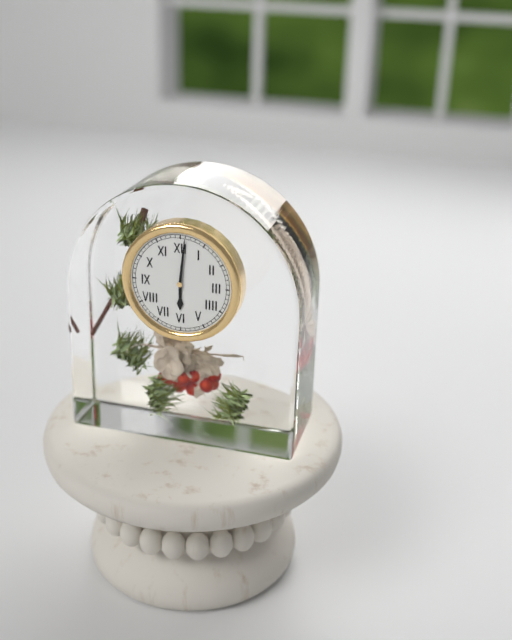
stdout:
6,01
